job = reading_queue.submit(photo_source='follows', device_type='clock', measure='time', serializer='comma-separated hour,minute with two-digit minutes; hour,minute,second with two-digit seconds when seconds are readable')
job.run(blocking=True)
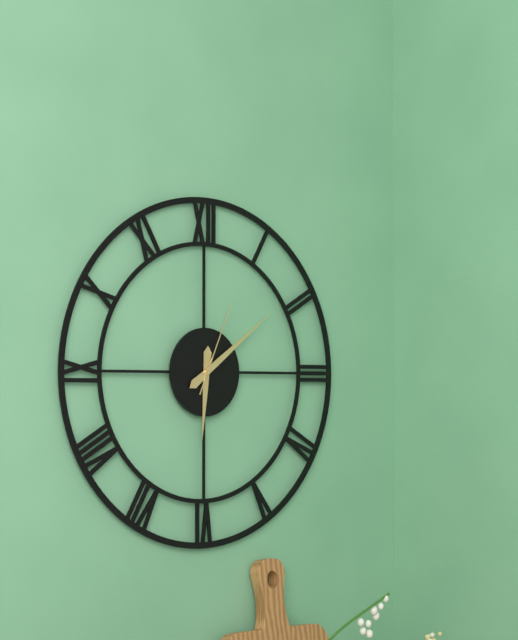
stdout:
6,09,04
